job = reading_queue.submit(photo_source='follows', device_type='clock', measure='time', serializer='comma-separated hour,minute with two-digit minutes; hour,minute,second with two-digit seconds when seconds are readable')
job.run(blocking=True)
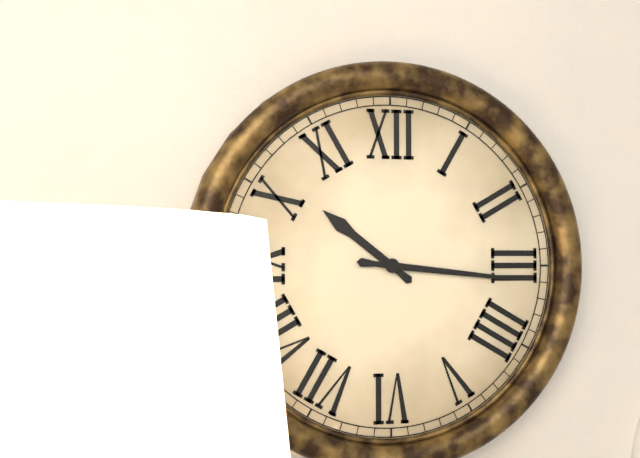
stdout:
10,16
